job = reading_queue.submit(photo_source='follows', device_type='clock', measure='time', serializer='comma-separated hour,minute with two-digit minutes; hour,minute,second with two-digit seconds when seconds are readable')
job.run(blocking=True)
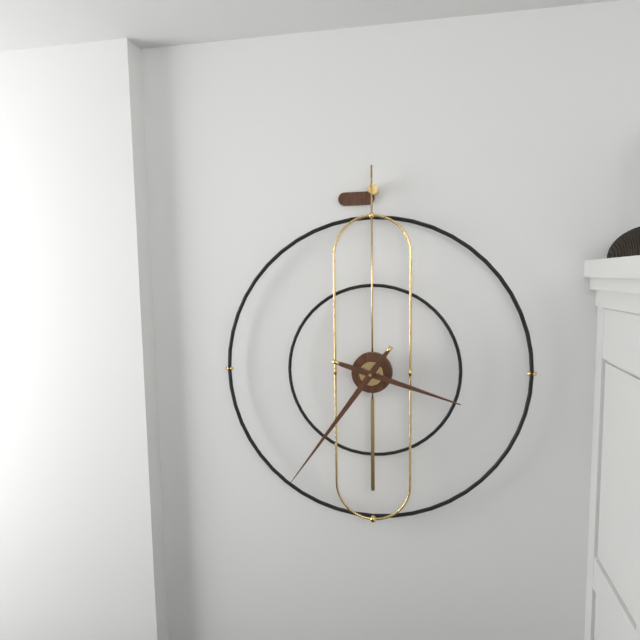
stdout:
3,36
